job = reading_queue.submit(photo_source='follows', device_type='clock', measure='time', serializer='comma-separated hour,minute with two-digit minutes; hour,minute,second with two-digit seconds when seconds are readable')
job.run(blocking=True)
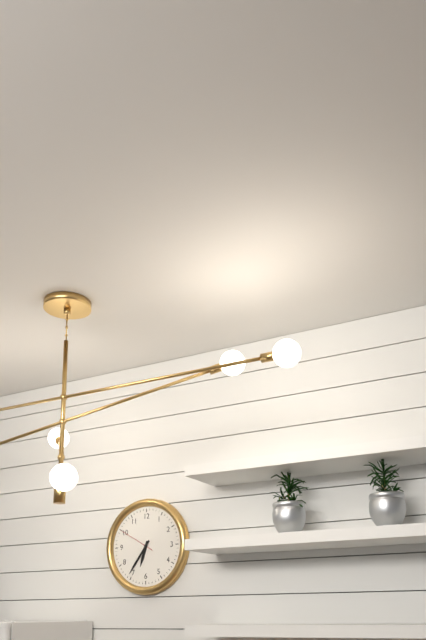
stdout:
6,36
